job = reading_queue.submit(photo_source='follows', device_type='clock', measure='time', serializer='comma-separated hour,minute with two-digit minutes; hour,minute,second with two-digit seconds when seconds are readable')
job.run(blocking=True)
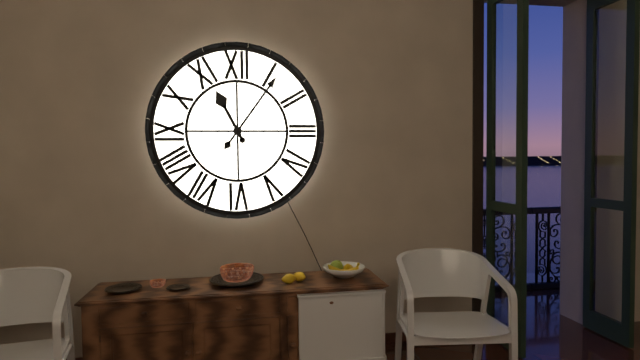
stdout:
11,06
